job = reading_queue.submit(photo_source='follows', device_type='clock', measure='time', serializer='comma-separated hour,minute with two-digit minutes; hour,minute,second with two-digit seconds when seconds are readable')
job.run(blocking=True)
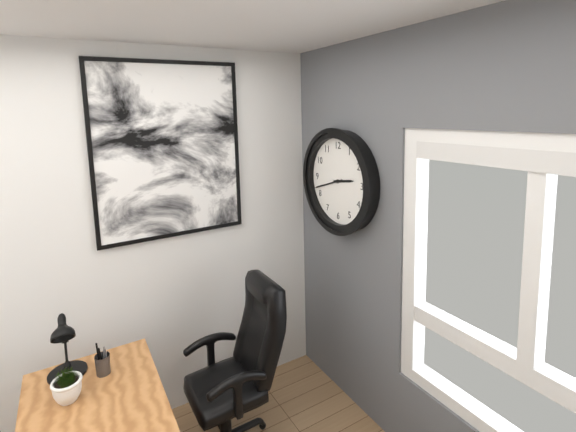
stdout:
2,42
